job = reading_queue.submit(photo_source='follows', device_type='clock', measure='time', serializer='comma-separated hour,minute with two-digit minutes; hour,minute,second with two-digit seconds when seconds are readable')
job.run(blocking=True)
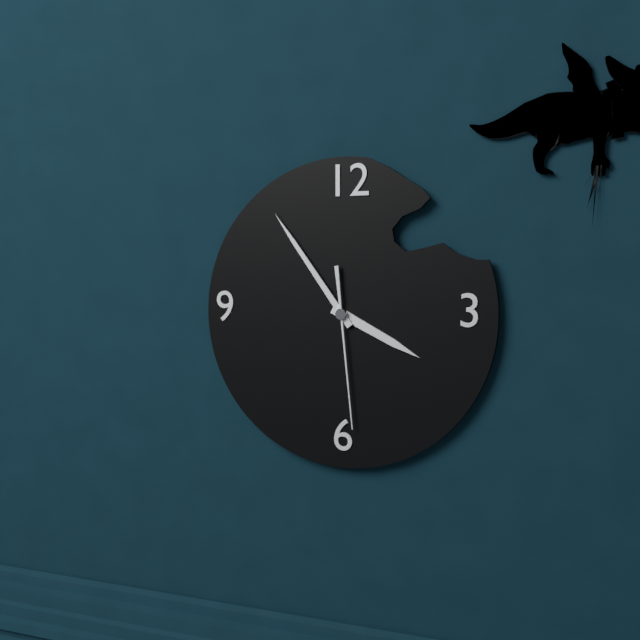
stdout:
3,54,29
